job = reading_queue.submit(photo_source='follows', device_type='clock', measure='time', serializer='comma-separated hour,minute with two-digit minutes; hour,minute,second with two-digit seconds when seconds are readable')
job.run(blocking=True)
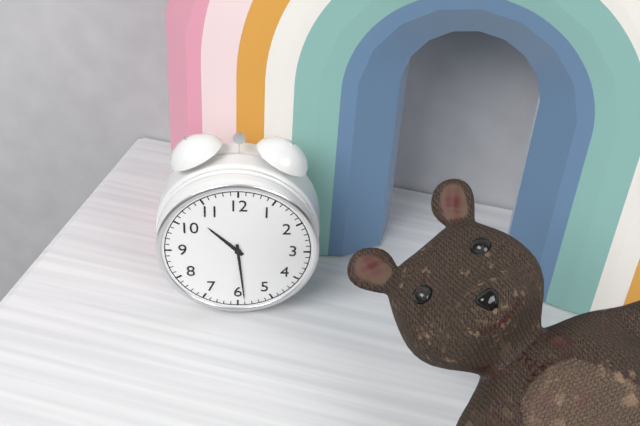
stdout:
10,29
